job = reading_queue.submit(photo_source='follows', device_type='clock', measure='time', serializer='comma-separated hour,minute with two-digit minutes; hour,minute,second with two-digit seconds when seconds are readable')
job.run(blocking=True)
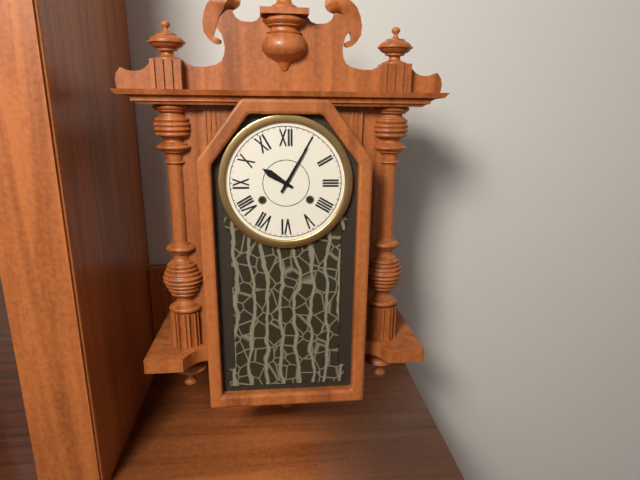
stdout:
10,05
